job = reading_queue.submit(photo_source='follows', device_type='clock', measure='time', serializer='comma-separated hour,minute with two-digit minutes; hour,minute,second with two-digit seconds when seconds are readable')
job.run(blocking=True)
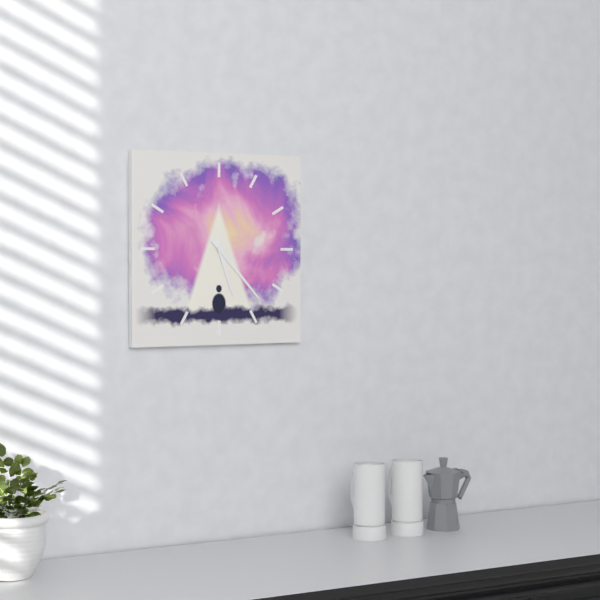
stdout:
5,23
